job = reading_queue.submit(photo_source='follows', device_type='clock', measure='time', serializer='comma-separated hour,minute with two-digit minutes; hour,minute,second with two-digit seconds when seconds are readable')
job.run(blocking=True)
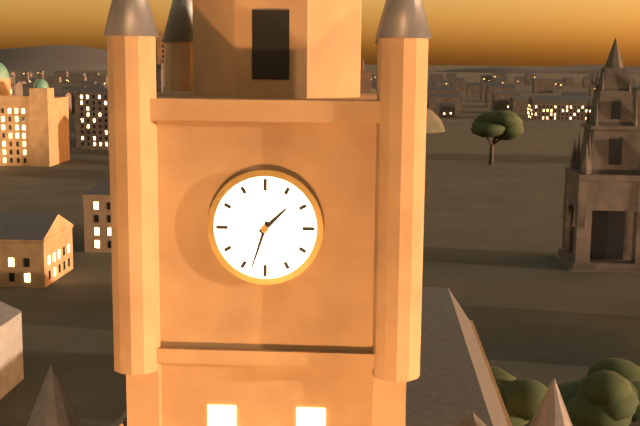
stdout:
1,33
